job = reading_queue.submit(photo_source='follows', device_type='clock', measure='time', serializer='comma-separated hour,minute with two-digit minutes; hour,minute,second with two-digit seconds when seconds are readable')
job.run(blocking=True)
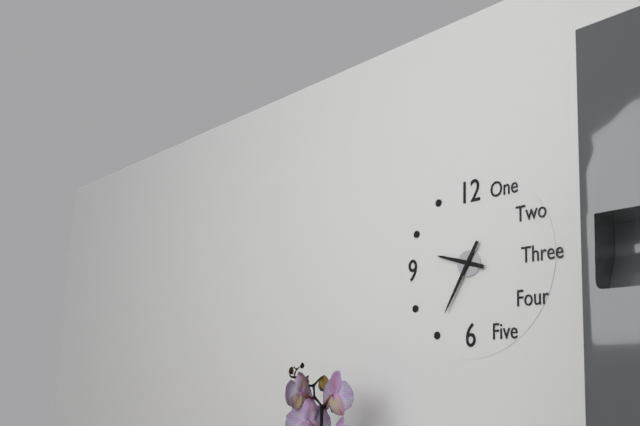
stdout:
9,35
